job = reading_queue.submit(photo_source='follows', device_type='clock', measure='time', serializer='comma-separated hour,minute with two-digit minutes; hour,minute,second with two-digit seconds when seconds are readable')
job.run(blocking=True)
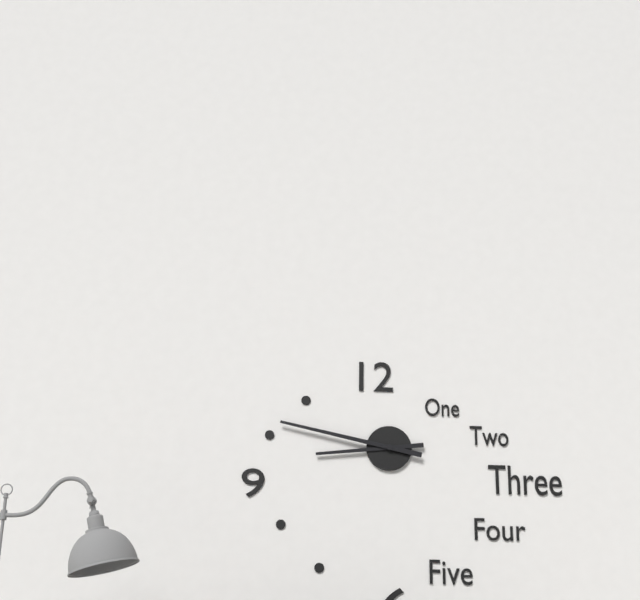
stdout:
8,47
